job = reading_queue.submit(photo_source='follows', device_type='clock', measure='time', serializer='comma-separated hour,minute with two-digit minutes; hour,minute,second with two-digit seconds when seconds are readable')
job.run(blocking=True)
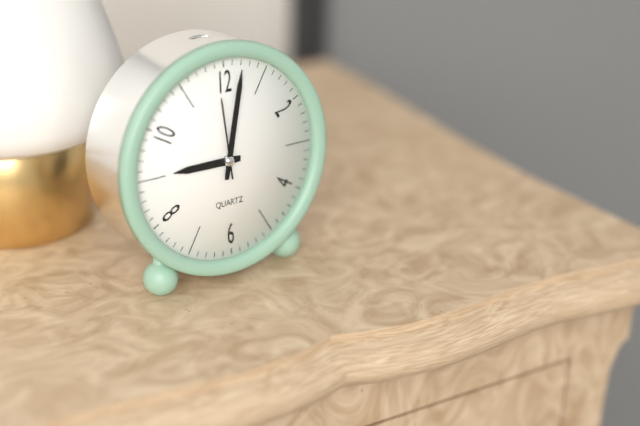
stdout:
9,02,59
